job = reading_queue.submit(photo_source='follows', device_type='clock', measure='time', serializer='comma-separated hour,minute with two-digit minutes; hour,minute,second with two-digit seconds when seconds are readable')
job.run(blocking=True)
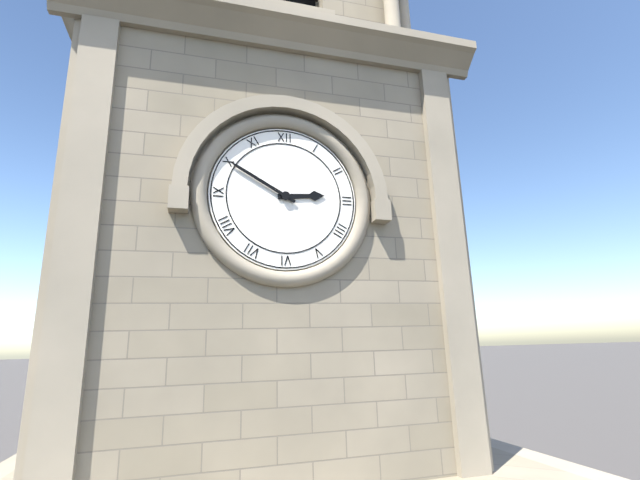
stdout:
2,50
